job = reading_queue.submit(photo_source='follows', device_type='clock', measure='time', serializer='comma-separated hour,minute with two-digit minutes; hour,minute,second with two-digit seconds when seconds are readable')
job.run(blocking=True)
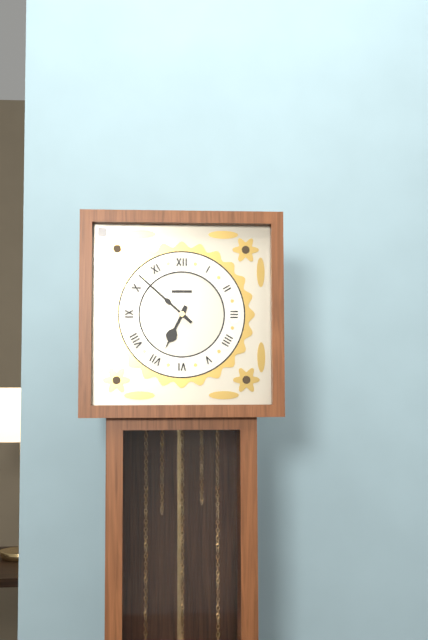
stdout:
6,52
